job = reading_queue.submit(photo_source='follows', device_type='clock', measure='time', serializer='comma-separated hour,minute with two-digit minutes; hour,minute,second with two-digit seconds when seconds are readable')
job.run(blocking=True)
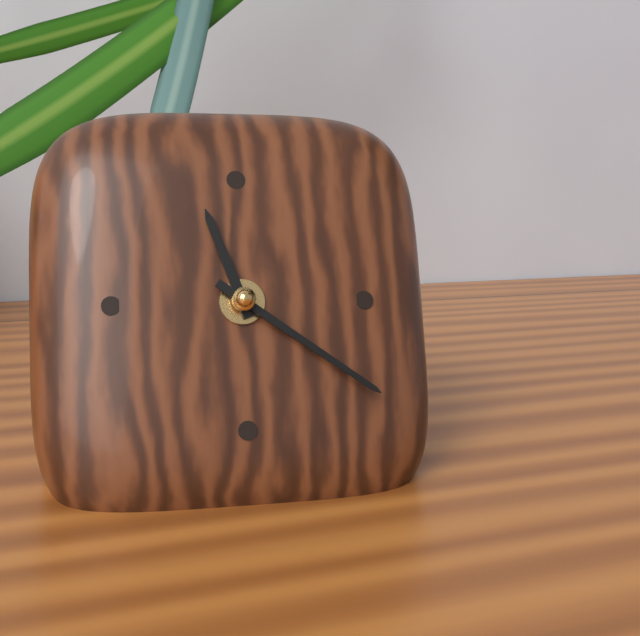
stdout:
11,21
